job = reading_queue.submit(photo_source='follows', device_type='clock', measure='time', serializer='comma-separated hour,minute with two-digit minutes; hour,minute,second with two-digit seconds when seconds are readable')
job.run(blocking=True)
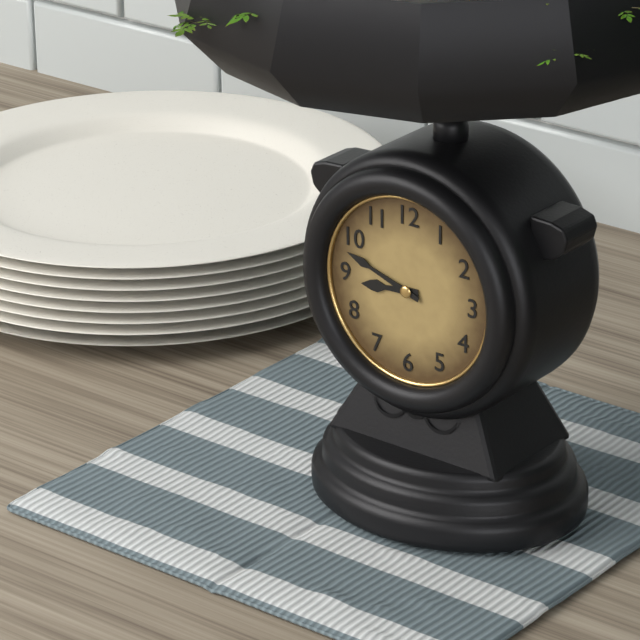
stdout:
8,48
